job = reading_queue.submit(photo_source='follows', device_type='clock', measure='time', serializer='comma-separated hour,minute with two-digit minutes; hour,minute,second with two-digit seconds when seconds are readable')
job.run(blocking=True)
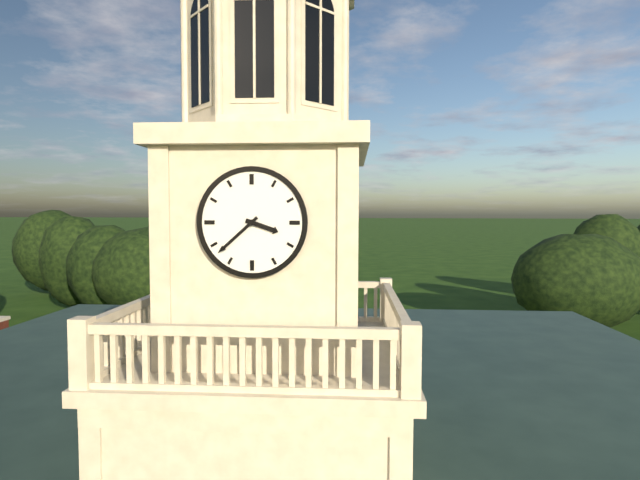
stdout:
3,38
